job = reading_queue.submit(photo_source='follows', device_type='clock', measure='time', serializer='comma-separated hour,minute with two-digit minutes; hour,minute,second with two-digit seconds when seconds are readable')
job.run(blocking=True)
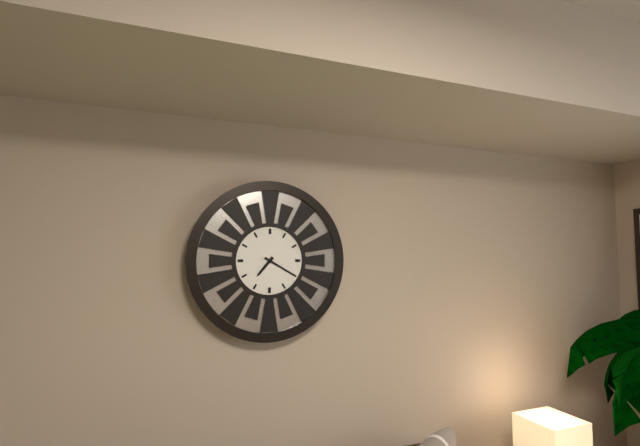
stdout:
7,20
